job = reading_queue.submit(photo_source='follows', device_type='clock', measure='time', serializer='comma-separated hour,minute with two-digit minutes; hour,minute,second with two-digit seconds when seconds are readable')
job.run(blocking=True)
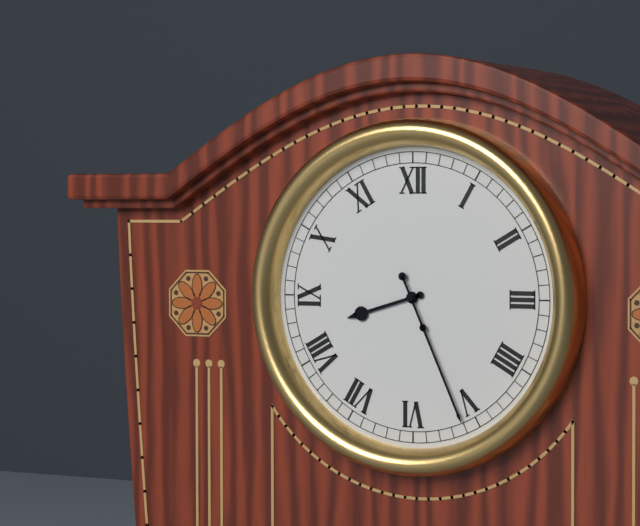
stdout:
8,26
